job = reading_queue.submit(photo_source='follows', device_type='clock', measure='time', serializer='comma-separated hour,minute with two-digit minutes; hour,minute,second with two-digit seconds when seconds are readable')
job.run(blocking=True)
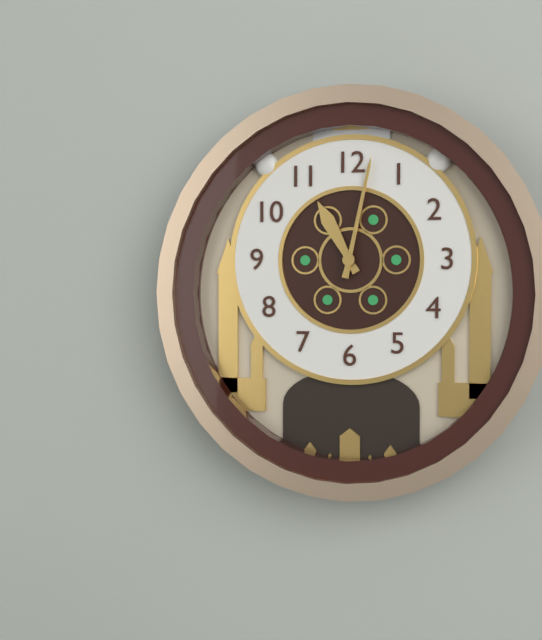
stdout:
11,02
